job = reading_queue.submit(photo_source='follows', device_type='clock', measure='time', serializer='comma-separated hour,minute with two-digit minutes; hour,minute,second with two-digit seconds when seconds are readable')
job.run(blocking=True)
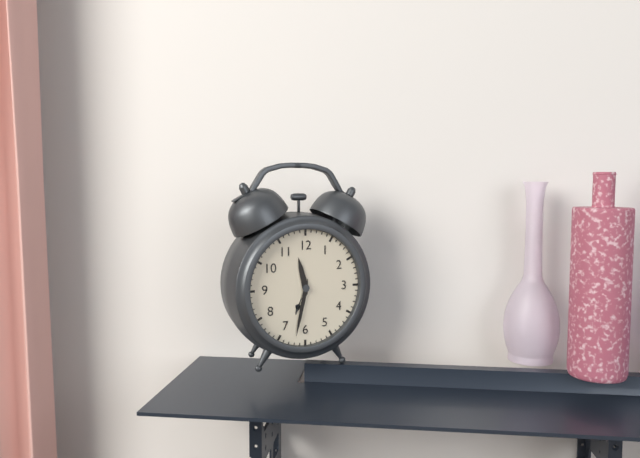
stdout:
11,32
